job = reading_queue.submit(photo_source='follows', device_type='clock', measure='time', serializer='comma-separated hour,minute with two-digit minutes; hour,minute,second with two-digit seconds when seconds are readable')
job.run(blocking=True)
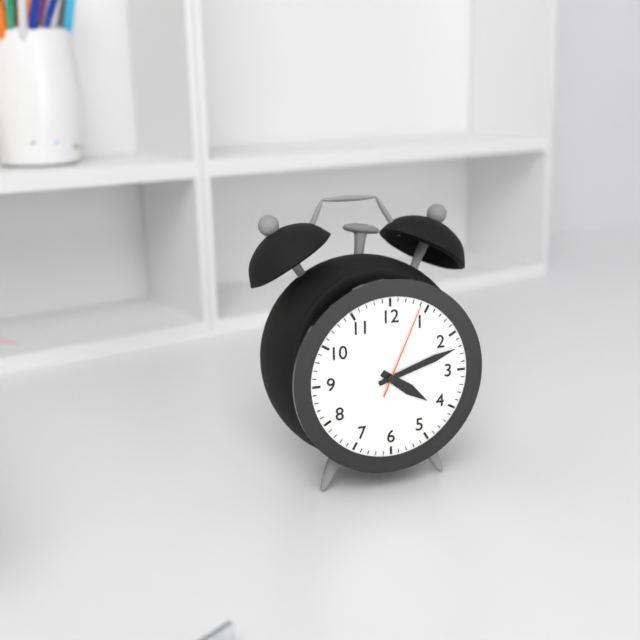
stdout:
4,12,04
